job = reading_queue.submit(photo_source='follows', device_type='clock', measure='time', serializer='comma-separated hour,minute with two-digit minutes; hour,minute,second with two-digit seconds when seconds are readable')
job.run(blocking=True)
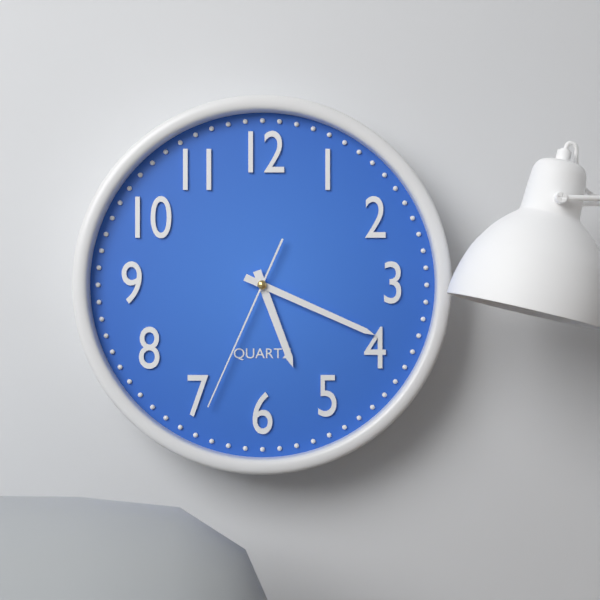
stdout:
5,19,34
